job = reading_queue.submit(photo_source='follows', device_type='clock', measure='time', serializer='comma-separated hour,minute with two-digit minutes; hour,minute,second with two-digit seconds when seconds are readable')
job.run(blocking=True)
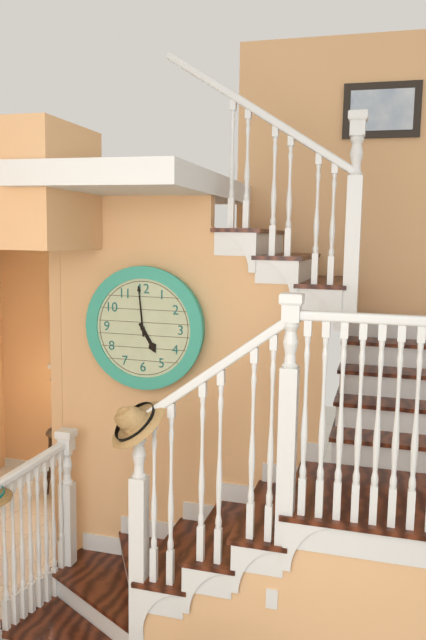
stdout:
4,59
